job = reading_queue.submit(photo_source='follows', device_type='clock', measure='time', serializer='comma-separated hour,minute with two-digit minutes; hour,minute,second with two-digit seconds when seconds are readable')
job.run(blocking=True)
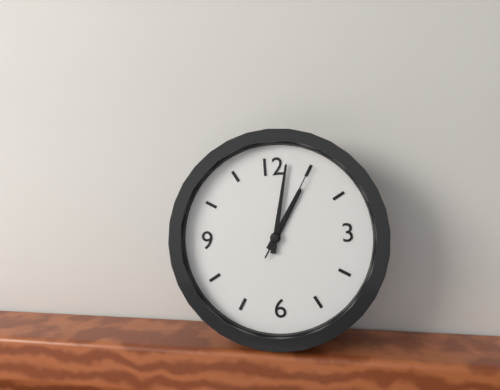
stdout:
1,02,05
